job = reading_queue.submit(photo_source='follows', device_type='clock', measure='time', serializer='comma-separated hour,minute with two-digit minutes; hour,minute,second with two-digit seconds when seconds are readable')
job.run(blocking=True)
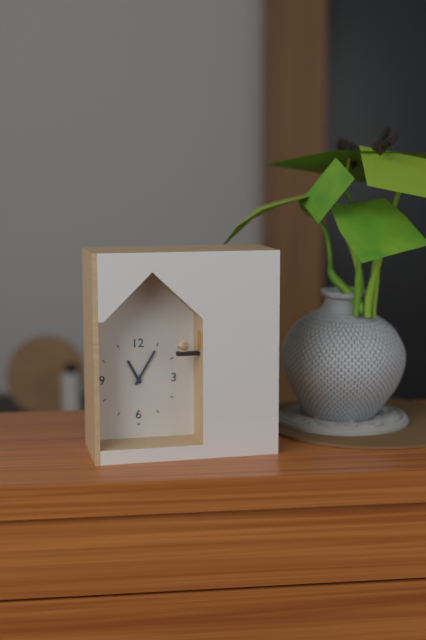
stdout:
11,05
